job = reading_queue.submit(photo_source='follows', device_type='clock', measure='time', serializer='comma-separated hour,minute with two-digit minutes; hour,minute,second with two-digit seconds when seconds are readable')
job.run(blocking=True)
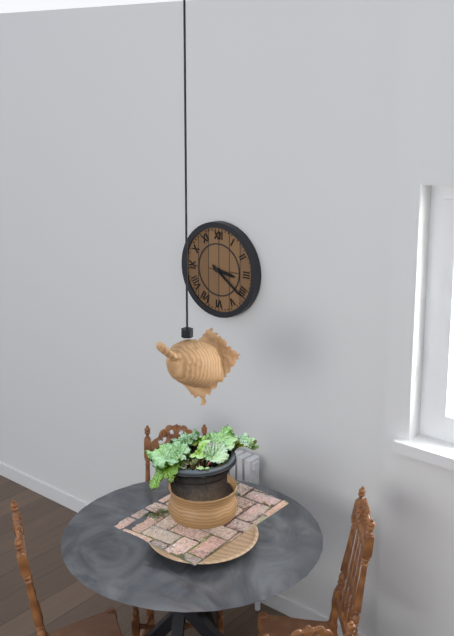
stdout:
3,21
